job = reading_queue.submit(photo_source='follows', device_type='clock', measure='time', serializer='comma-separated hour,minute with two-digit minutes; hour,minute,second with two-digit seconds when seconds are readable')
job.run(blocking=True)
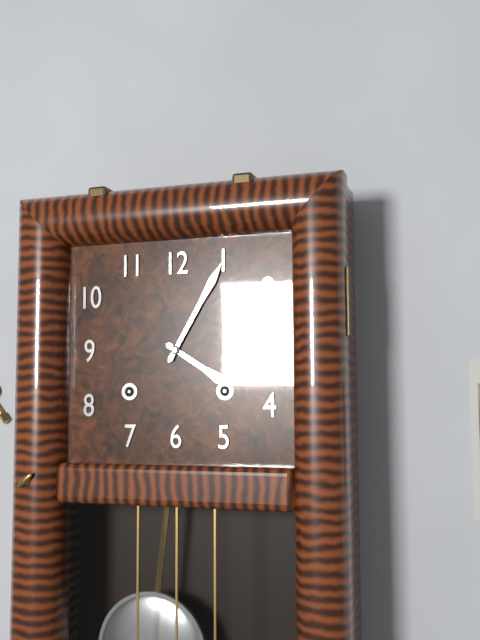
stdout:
4,05
